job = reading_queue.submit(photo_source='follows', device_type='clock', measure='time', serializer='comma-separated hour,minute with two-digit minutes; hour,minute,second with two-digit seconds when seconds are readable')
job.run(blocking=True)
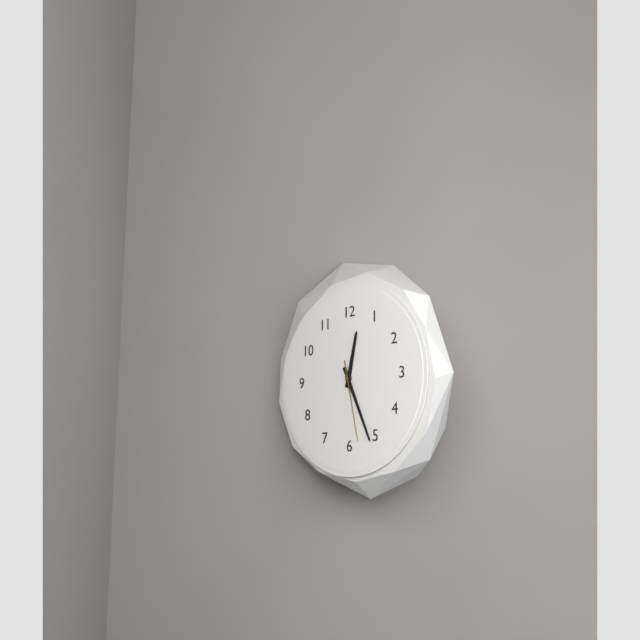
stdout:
12,26,28
